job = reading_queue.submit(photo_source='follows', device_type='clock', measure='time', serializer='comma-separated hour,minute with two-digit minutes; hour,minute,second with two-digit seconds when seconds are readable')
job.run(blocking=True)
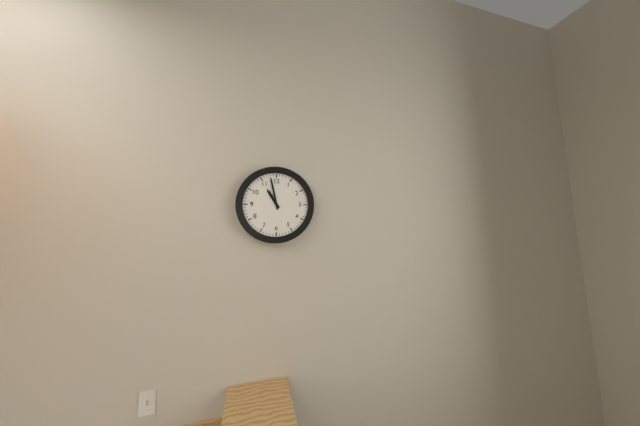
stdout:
10,58
